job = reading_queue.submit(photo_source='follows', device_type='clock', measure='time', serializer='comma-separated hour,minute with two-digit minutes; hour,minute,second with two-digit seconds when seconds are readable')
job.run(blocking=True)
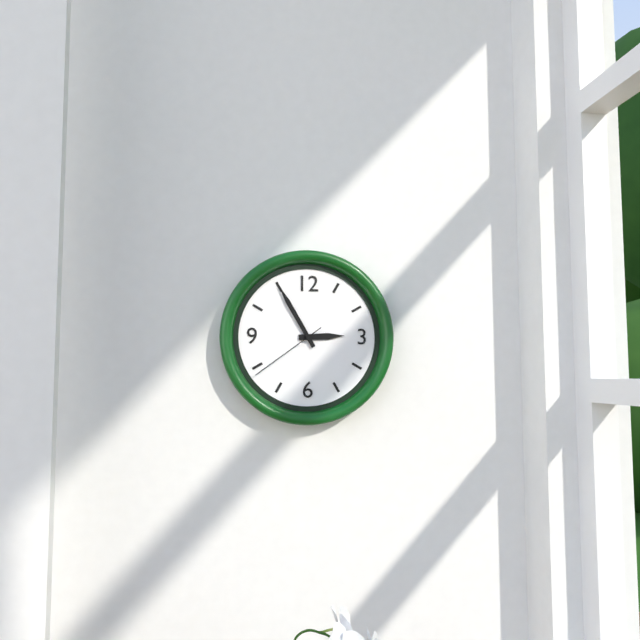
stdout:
2,55,39
